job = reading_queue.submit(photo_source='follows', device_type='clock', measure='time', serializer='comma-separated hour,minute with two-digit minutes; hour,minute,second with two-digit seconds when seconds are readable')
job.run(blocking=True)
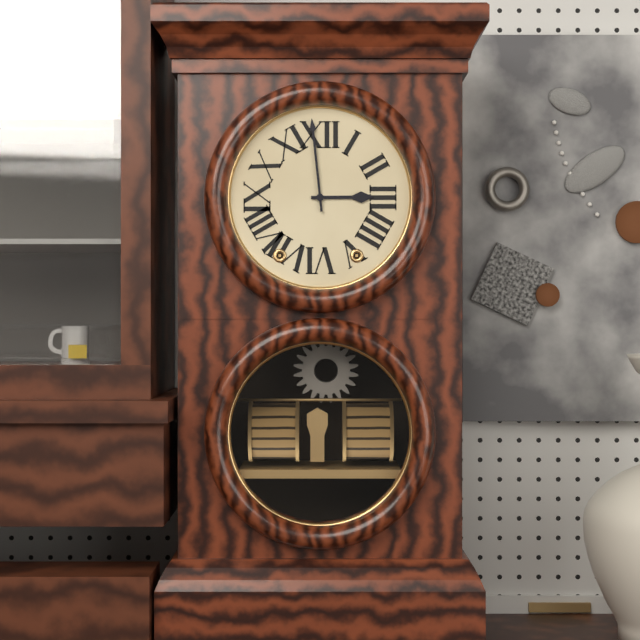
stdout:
2,59
